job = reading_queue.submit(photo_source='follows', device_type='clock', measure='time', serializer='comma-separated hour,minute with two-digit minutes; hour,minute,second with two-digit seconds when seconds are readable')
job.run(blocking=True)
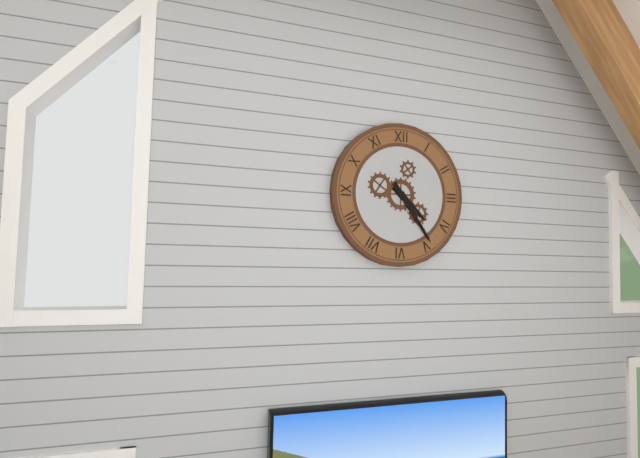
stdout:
4,24
